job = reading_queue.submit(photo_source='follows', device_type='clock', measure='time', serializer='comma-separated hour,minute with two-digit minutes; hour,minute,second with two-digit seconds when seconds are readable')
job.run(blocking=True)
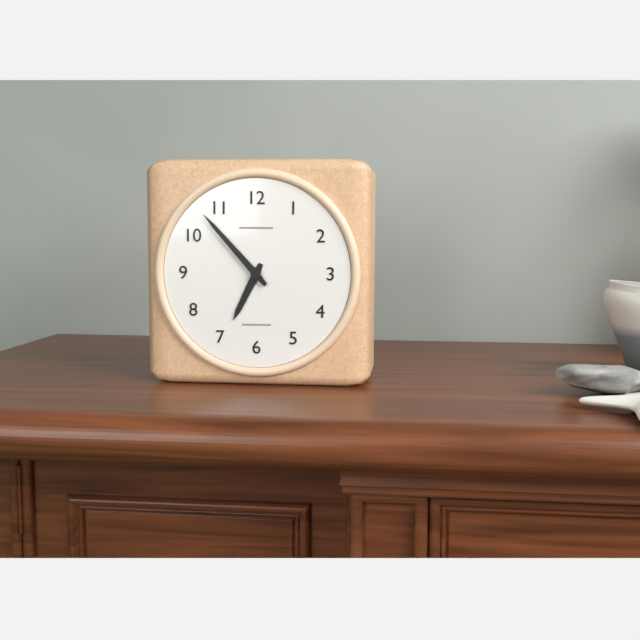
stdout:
6,53
